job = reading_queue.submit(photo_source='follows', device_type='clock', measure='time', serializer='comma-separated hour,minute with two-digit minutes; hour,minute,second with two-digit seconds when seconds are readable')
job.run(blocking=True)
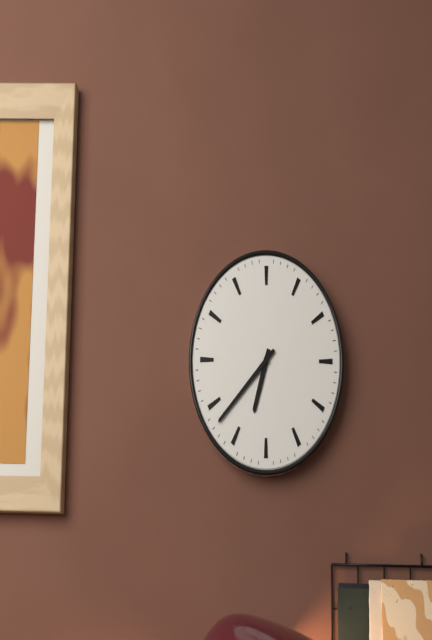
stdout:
6,38
